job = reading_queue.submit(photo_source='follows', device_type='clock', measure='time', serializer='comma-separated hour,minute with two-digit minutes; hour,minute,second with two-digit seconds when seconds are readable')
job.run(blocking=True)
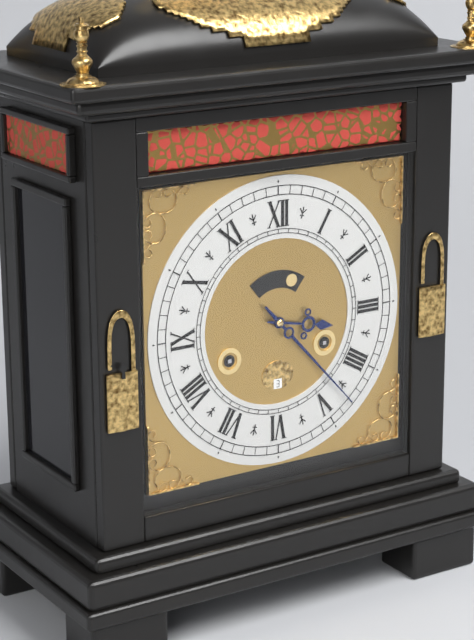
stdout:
3,23
